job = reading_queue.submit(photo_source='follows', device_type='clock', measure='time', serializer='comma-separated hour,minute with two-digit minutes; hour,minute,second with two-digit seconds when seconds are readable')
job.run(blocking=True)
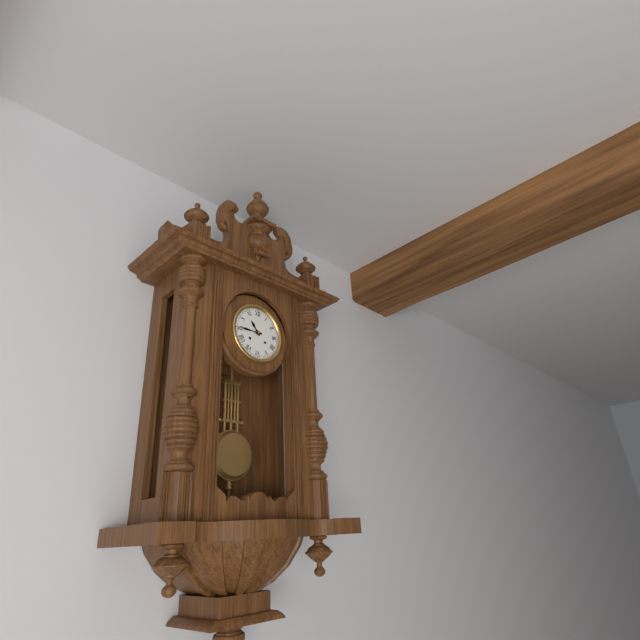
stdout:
10,45
